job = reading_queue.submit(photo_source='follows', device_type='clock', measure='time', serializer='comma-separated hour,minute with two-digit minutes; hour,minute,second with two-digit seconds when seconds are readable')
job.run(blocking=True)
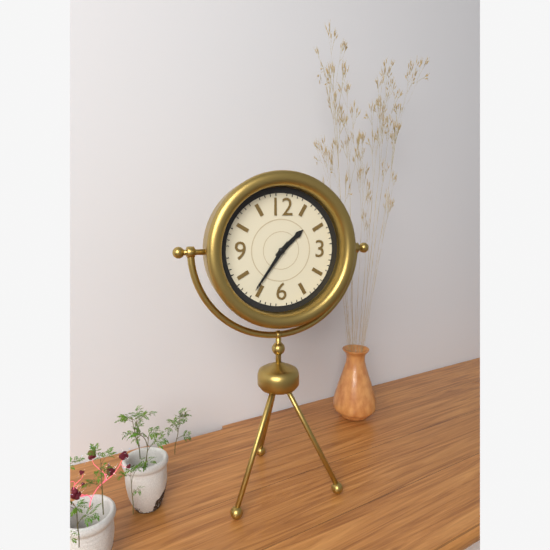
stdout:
1,36
